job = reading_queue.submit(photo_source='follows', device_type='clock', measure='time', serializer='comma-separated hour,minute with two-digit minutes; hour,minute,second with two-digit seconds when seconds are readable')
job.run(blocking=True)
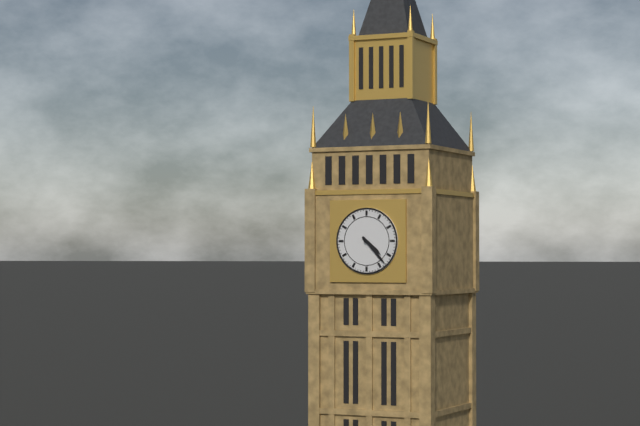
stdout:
4,23
